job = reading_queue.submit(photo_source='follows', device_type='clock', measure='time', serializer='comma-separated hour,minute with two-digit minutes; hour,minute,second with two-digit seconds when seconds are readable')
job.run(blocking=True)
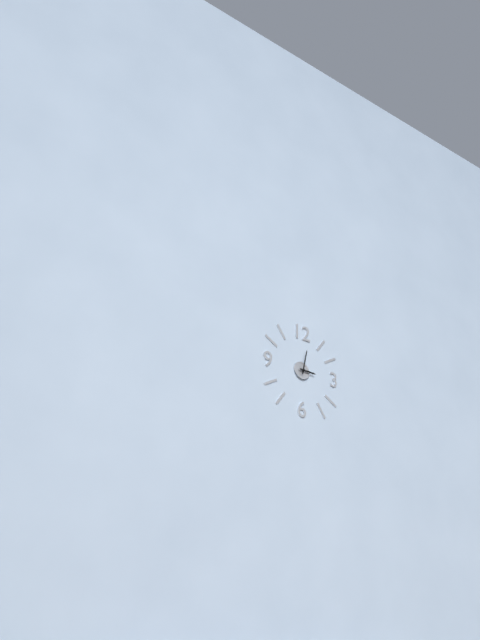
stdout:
3,02
